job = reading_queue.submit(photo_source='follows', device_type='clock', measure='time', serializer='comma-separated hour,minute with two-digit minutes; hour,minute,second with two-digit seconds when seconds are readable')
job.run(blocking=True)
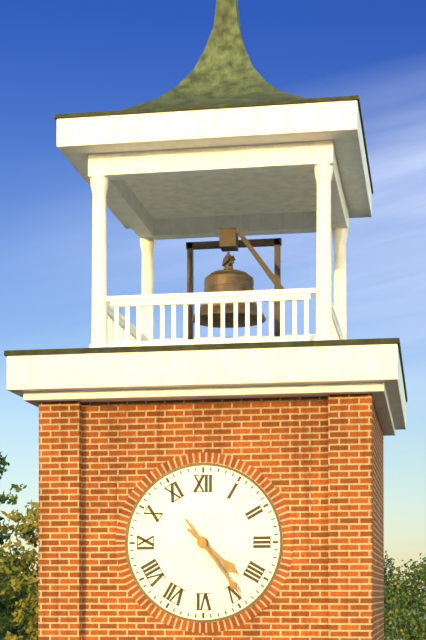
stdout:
4,24
